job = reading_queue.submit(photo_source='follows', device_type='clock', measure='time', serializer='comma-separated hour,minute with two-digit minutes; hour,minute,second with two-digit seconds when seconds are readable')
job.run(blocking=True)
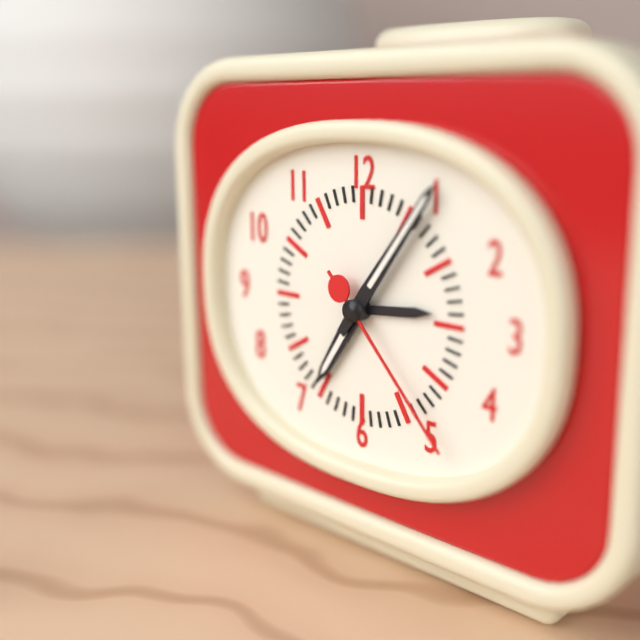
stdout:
7,06,23
